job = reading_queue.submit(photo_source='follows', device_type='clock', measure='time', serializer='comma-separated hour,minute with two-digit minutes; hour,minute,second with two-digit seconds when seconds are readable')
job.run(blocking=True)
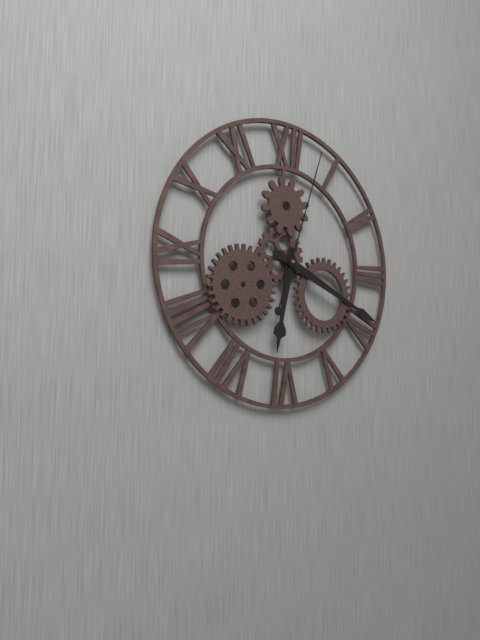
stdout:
6,19,03
